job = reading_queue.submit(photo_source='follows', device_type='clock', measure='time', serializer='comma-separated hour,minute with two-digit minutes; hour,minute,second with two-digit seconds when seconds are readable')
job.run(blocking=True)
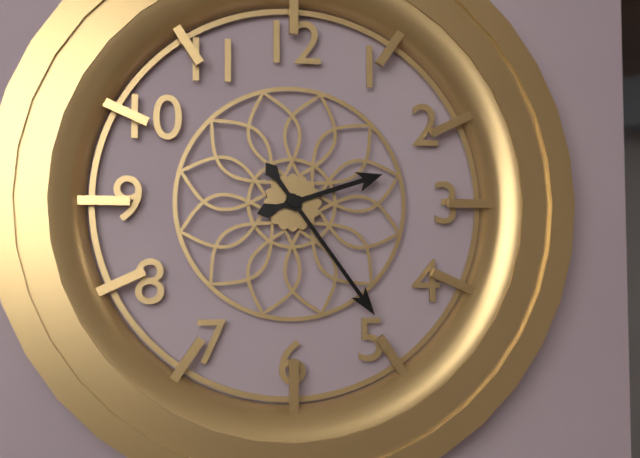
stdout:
2,24
